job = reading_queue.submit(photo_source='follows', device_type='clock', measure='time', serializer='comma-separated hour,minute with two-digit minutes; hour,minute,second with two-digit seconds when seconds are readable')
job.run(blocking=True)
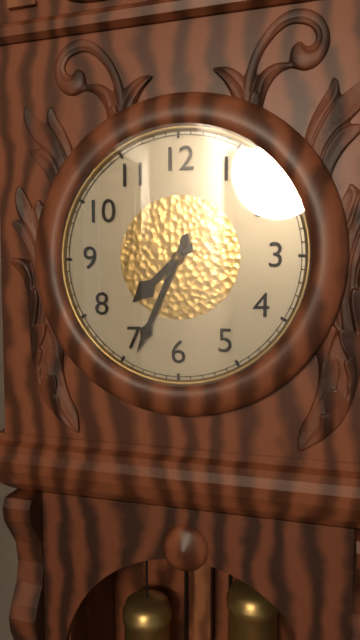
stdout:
7,34
